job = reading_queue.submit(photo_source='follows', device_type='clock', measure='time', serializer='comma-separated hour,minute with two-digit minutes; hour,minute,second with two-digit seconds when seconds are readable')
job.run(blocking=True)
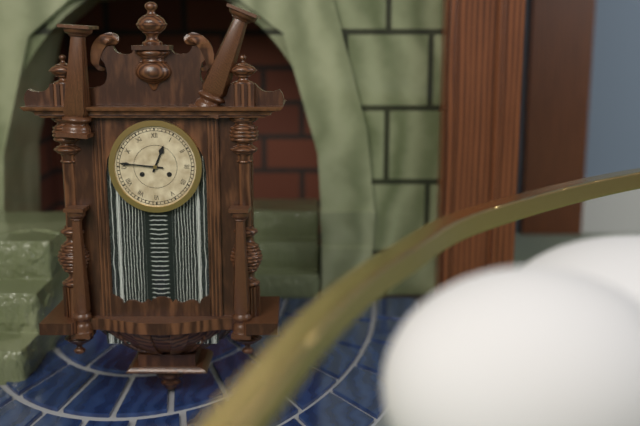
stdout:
12,46
